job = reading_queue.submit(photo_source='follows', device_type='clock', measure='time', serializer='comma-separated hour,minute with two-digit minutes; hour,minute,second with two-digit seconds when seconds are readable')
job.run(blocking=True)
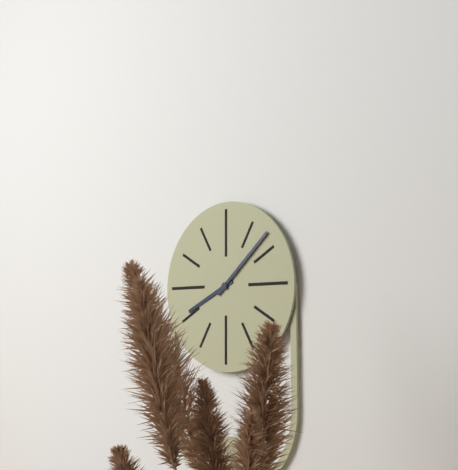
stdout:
8,08
